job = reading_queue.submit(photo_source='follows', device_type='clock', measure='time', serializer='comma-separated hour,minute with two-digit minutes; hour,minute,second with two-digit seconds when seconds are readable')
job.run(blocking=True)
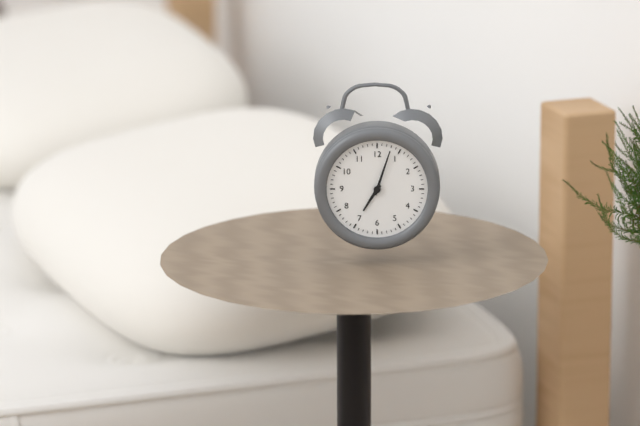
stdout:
7,03
